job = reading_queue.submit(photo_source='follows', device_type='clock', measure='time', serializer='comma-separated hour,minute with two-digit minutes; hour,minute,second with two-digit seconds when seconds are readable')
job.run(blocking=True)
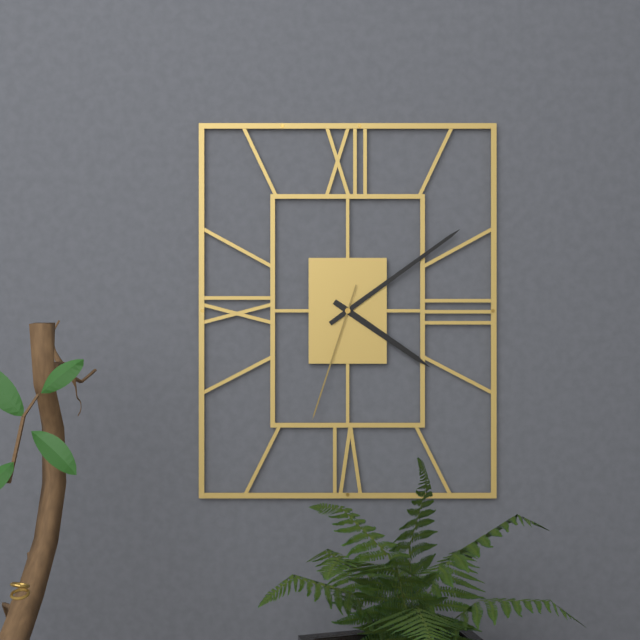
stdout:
4,09,33
